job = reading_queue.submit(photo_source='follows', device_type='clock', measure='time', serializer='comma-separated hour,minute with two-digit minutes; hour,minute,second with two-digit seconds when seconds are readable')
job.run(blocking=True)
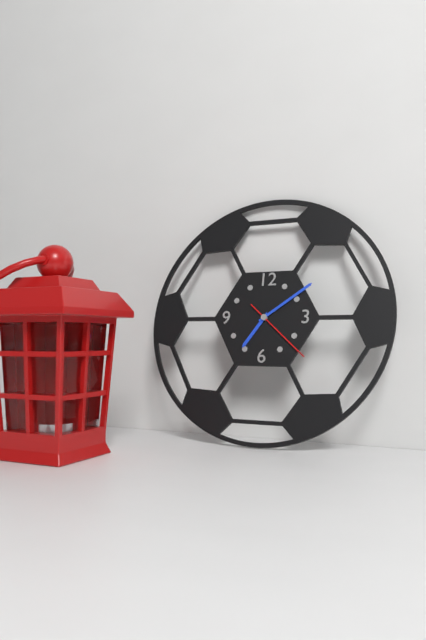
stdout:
7,09,22
